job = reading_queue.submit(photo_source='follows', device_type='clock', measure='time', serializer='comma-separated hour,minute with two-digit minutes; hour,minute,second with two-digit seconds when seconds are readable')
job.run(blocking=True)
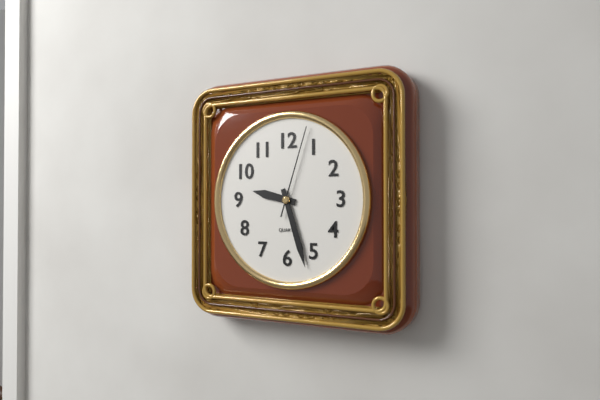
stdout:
9,27,03
